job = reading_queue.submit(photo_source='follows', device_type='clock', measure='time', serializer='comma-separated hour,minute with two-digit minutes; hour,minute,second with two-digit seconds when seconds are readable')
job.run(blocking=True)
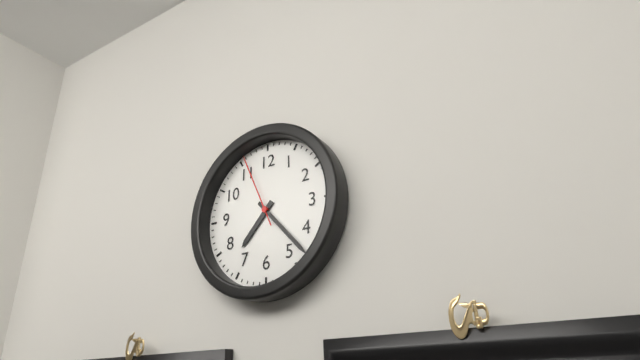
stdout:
7,23,56
